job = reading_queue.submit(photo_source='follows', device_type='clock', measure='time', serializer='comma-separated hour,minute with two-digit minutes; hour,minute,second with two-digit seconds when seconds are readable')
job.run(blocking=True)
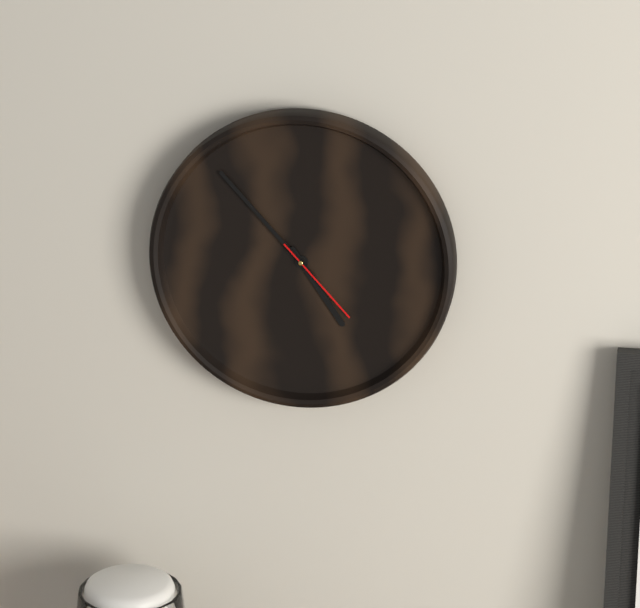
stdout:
4,53,23
